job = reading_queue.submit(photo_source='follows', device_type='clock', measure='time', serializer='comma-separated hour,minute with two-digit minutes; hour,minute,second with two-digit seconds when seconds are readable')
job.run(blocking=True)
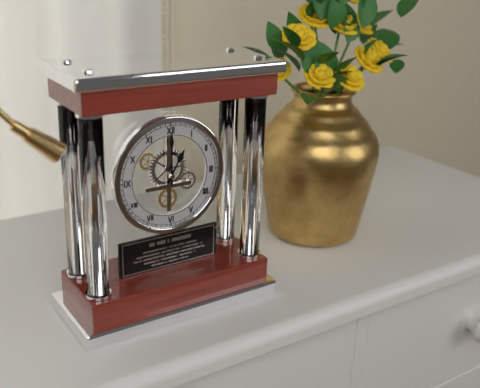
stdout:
1,00
